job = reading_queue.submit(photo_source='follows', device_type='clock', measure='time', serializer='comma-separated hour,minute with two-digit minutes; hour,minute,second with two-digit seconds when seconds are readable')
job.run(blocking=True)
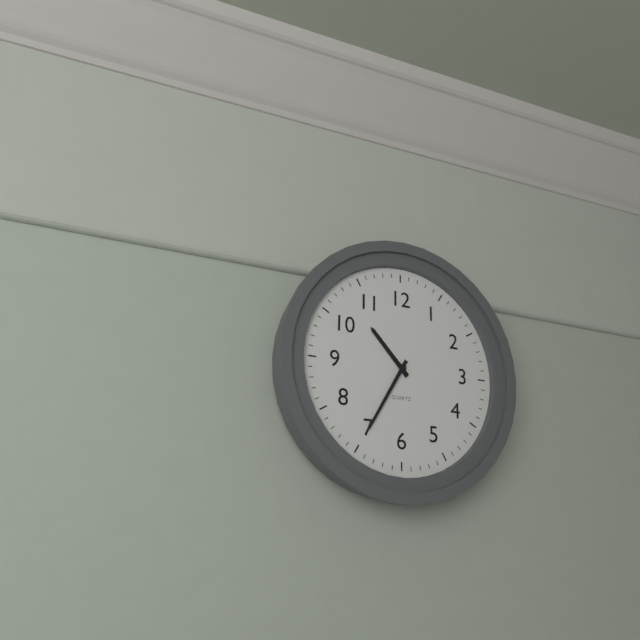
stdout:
10,35
